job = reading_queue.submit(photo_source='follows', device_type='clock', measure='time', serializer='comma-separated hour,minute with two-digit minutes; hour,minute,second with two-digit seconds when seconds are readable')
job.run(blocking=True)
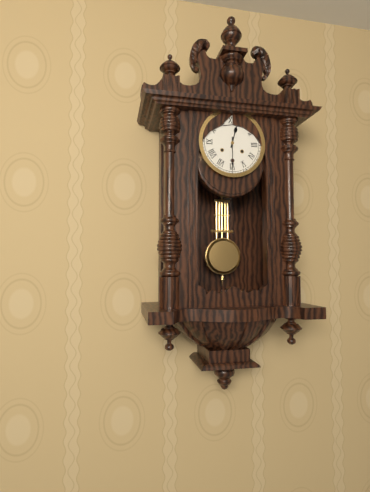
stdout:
12,30
